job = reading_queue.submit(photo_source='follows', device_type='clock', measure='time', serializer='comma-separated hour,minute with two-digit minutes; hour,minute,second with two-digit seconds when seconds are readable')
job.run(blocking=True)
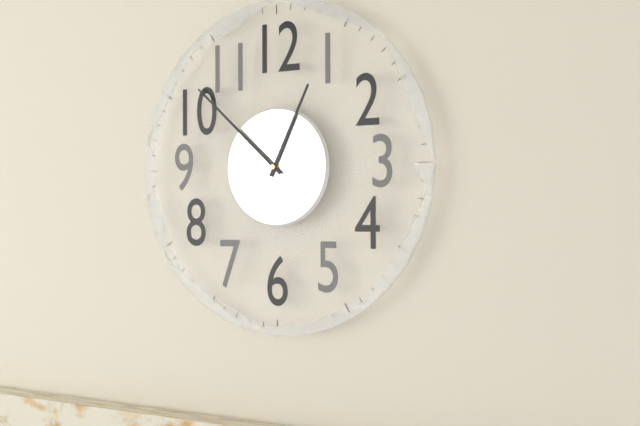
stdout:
12,52
